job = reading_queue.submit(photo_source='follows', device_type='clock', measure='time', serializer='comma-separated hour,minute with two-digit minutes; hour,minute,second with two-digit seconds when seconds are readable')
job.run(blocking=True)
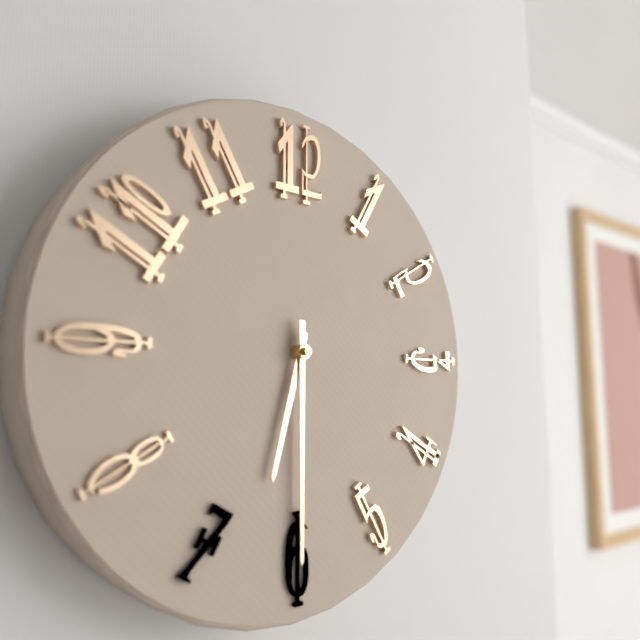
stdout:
6,30
